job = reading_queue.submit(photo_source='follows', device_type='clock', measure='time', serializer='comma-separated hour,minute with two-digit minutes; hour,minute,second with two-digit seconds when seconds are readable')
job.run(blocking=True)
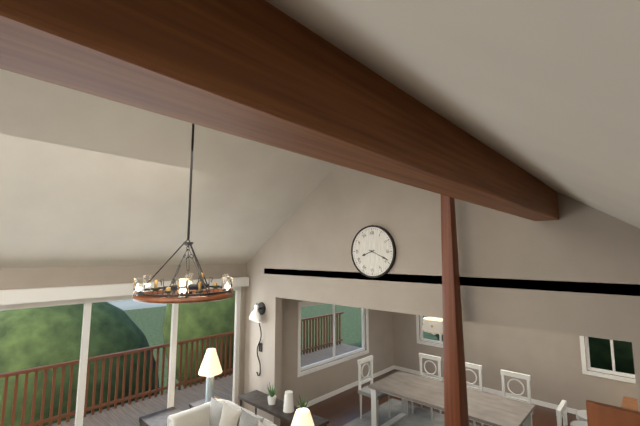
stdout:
8,19
